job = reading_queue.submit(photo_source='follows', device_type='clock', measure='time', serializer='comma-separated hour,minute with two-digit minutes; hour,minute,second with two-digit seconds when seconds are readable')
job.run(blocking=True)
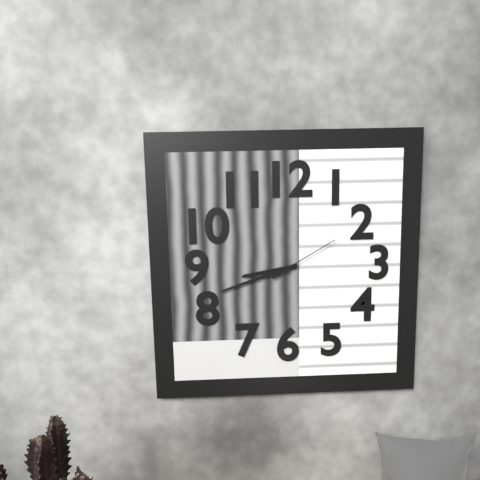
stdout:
8,42,10
